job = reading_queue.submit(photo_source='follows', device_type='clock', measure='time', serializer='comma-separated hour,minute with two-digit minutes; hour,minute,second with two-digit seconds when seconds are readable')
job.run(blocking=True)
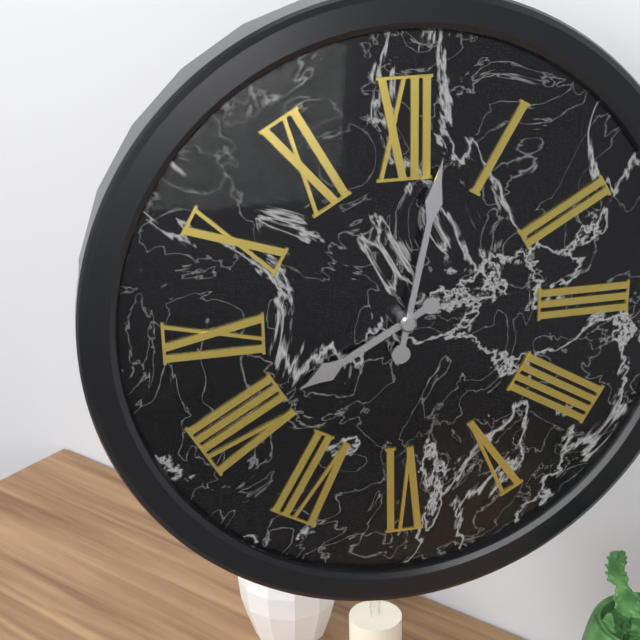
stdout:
8,02
